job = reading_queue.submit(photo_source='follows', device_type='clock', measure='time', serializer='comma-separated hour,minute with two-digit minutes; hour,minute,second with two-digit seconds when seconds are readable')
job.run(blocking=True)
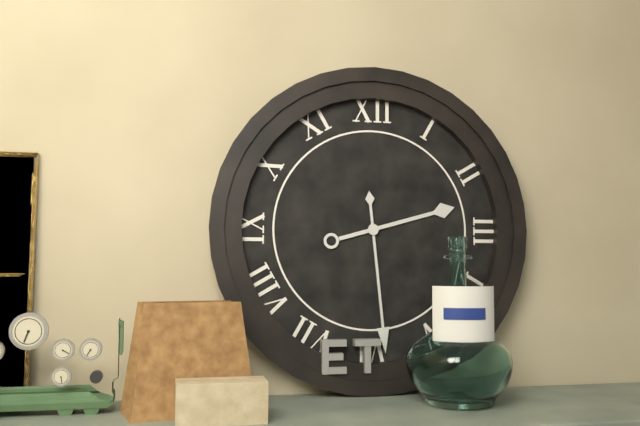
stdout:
2,29
